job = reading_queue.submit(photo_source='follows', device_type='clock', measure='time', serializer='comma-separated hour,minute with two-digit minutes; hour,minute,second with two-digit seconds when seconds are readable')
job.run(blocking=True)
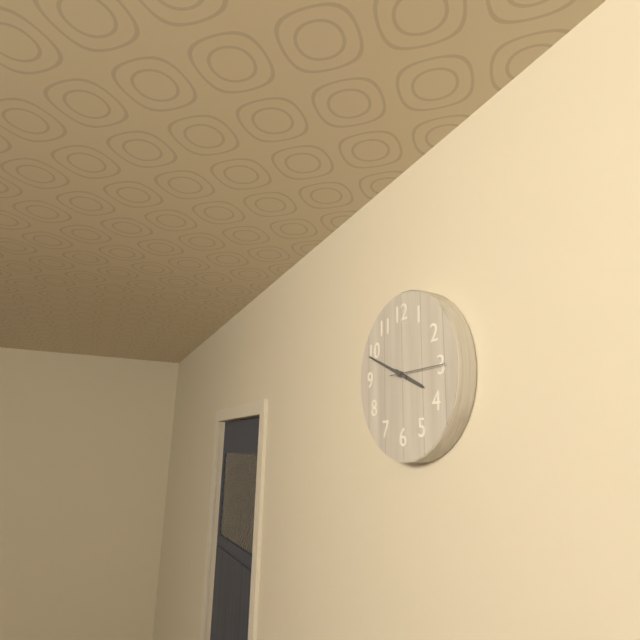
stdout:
3,49,15
